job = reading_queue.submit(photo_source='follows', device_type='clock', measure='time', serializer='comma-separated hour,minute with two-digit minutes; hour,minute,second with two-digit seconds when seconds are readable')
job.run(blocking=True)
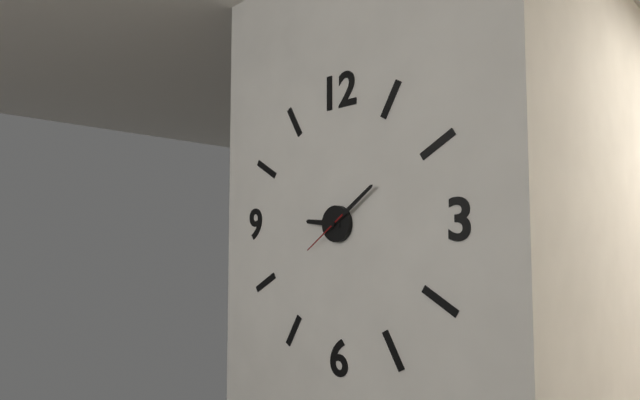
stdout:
9,09
